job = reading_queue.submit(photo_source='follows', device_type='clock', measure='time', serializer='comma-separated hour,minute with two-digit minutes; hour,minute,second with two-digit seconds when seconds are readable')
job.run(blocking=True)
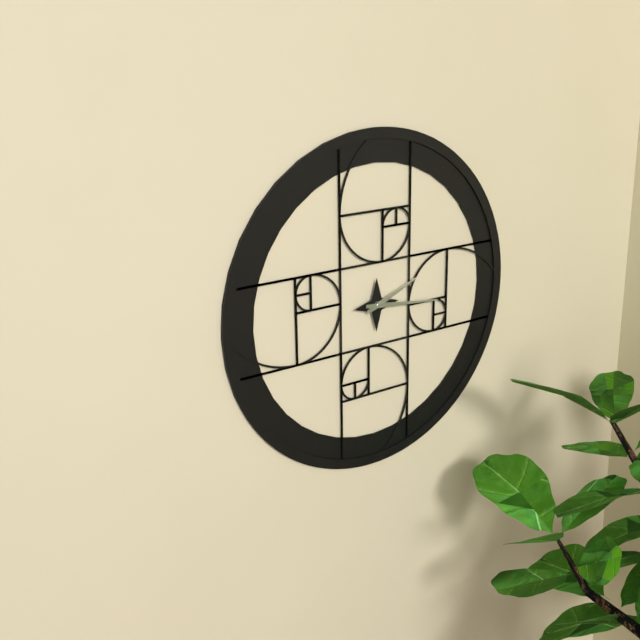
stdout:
2,16
